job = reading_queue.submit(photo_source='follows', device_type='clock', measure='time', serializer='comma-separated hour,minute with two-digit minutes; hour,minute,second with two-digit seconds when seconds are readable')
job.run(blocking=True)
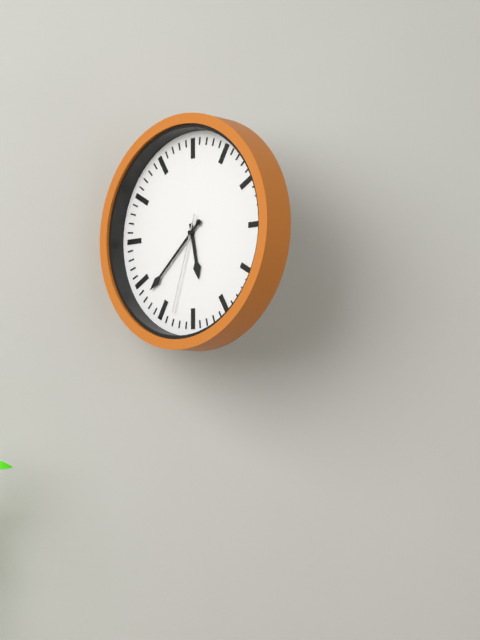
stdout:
5,38,33
